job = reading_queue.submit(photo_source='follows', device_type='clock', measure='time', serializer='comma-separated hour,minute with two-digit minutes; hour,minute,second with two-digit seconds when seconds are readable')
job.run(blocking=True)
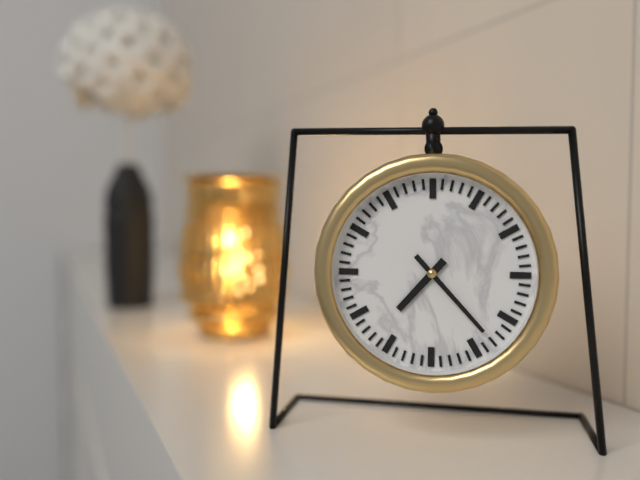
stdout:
7,23
